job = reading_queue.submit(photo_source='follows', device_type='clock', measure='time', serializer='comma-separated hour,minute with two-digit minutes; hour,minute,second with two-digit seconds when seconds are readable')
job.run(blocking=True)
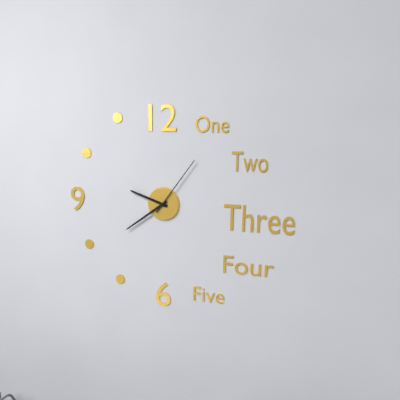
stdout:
9,39,06
